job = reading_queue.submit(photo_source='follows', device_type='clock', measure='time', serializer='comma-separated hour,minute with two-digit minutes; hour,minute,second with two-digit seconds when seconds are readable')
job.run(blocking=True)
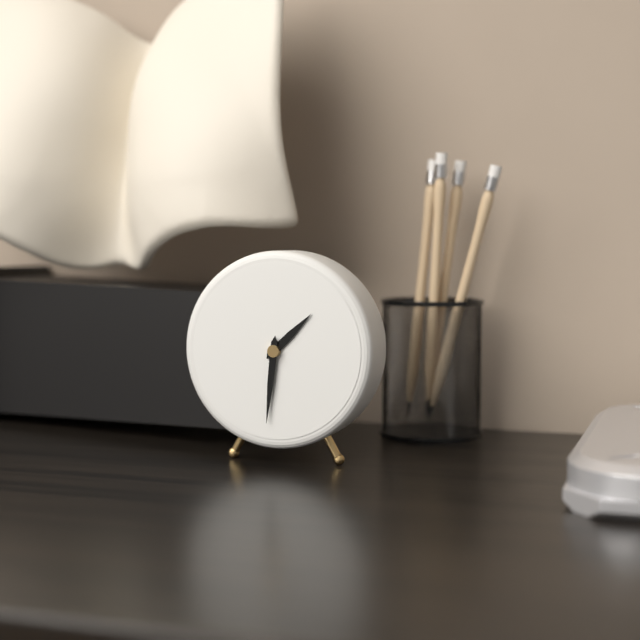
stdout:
1,31
